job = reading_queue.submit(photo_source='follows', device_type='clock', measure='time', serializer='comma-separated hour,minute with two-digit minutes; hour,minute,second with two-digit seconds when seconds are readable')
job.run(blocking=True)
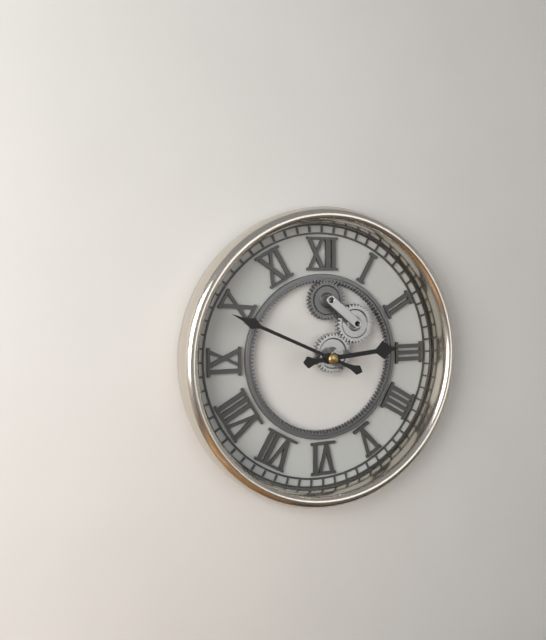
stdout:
2,49
